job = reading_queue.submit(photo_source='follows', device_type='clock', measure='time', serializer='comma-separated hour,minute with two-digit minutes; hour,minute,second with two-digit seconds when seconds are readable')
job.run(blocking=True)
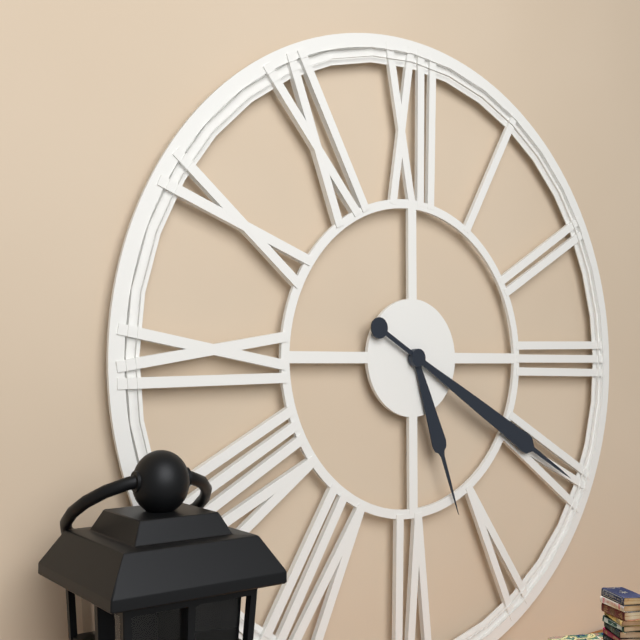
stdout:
5,20
